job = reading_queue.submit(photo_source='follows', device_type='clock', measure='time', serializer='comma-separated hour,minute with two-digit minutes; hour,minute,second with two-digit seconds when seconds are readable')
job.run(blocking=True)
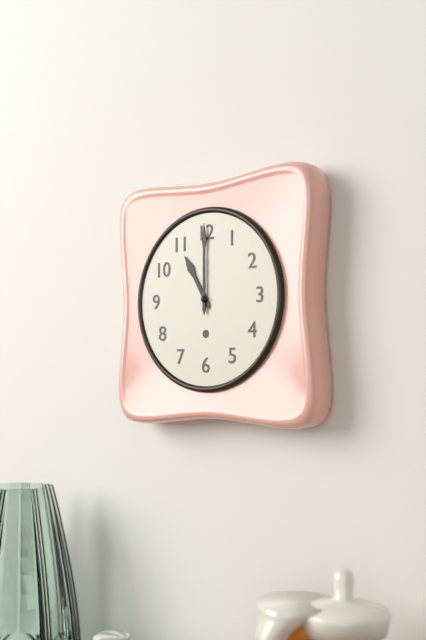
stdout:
11,00
